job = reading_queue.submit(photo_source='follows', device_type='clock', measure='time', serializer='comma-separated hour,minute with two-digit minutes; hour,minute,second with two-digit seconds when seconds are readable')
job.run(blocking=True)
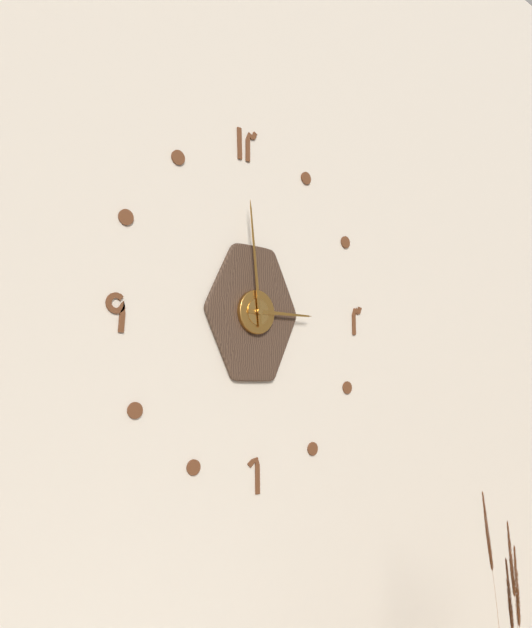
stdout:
2,59
